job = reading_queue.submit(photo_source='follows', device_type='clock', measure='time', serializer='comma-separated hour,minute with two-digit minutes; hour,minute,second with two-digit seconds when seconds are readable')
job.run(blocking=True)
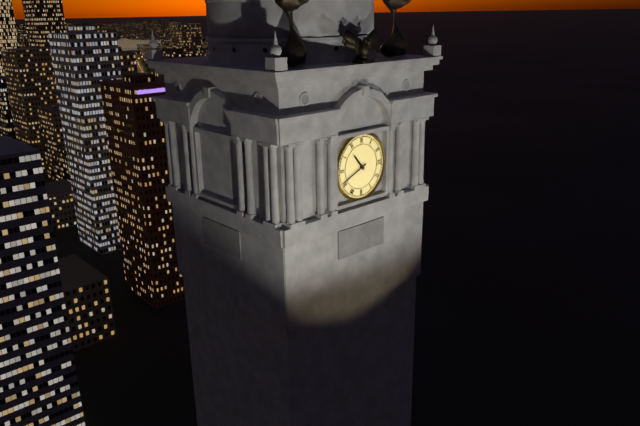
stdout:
10,41
